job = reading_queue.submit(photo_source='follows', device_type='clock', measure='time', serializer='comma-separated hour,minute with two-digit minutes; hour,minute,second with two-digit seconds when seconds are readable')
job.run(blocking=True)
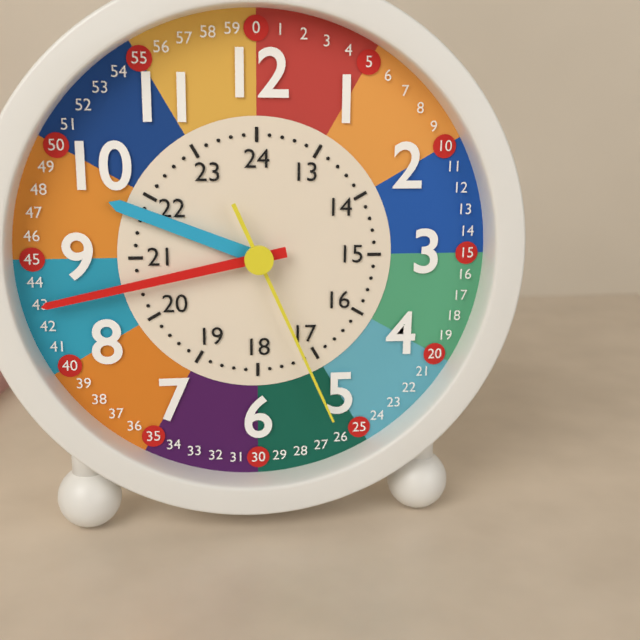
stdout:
9,43,26
